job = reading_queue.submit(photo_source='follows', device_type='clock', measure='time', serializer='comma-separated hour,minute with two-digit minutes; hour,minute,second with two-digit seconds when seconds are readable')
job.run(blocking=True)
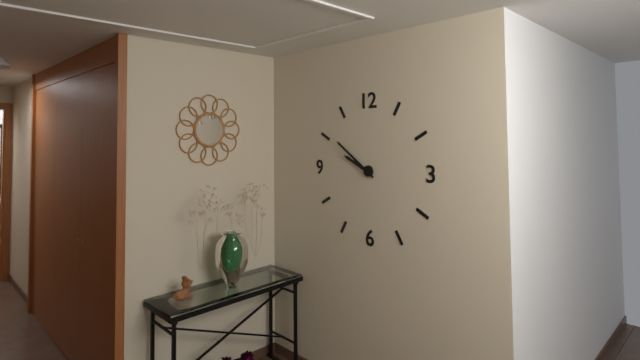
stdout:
9,51
